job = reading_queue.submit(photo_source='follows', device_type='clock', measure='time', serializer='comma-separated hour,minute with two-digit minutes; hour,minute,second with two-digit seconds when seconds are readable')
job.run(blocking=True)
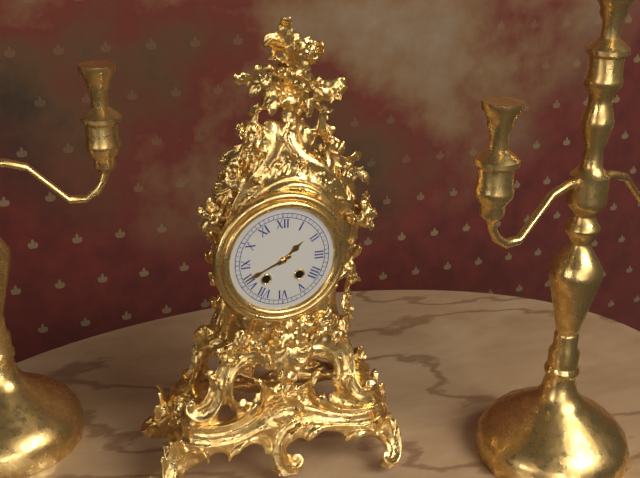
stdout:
1,41
